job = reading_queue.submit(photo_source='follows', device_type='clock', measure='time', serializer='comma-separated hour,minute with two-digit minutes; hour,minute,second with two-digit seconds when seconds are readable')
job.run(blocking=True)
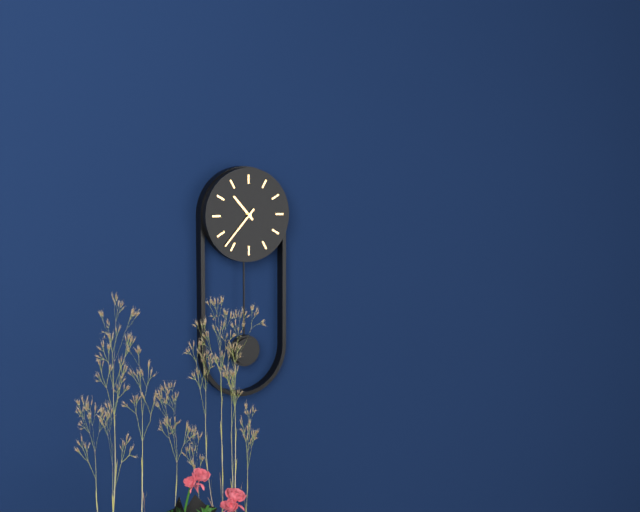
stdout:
10,37
